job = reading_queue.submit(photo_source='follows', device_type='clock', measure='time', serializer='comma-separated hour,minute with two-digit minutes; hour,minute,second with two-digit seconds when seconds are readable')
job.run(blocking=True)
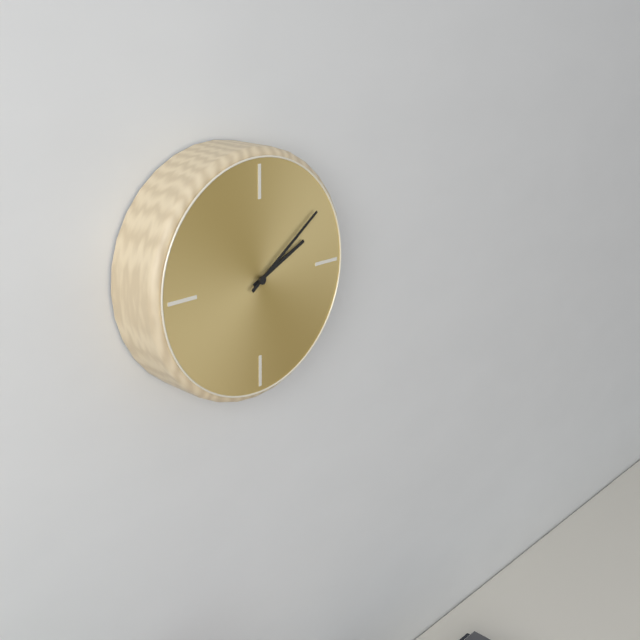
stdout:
2,09
